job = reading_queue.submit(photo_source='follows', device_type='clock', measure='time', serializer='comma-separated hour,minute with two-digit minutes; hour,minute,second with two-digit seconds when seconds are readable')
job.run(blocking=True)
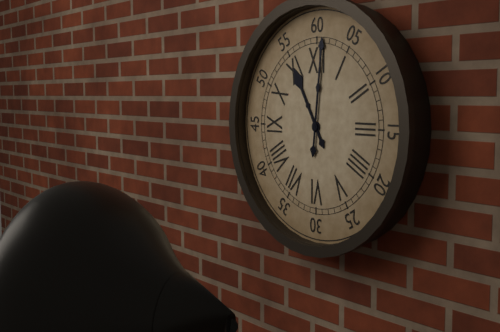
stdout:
11,01
